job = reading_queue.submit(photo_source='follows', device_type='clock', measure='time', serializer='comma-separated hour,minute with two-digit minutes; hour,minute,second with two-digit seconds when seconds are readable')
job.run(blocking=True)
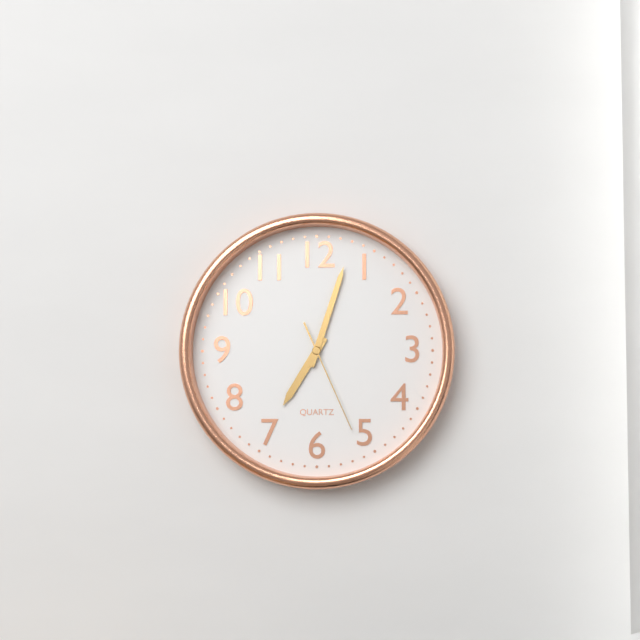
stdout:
7,03,26
